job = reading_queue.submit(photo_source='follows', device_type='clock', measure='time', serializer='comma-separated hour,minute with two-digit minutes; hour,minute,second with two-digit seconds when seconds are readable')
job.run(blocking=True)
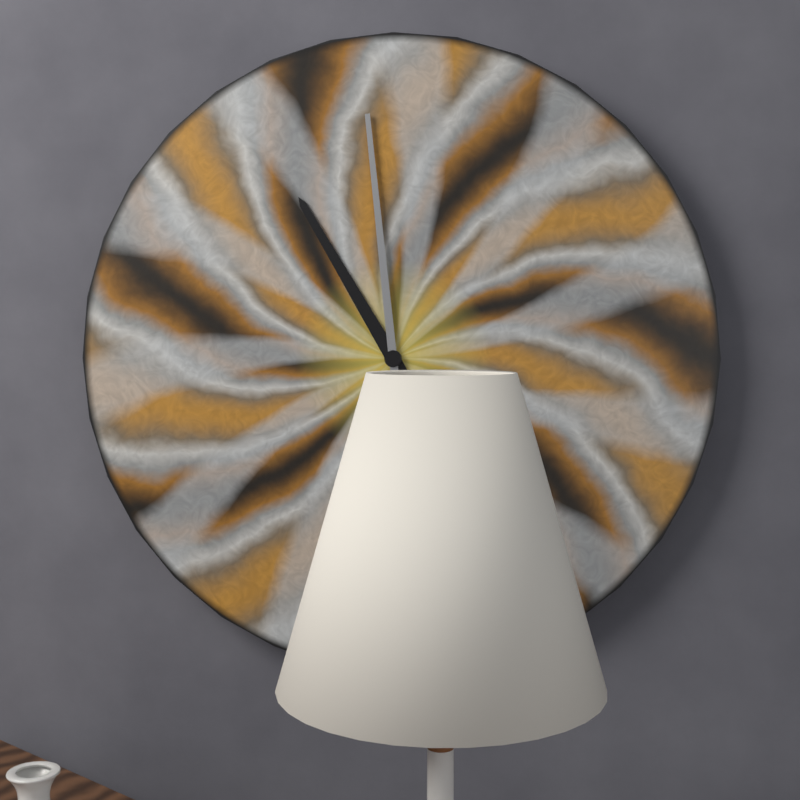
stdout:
10,59
